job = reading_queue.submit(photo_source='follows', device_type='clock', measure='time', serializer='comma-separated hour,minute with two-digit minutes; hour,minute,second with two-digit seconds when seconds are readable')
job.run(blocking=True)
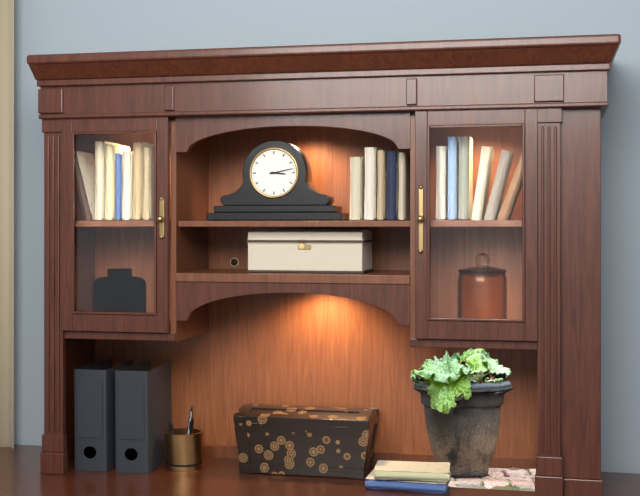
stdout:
3,13
